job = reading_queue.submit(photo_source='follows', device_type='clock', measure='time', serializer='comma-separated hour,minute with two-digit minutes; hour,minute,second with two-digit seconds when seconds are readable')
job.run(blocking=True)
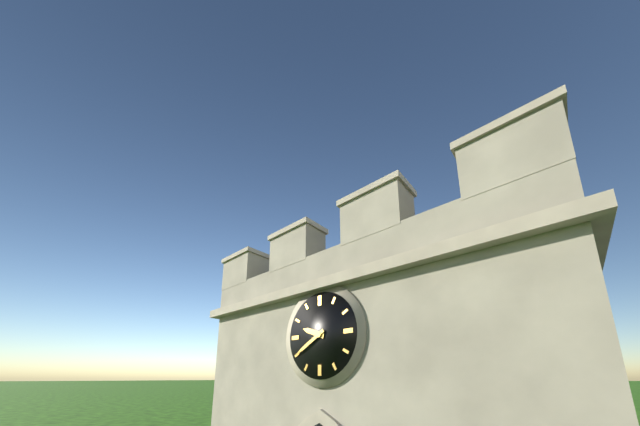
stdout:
9,40
